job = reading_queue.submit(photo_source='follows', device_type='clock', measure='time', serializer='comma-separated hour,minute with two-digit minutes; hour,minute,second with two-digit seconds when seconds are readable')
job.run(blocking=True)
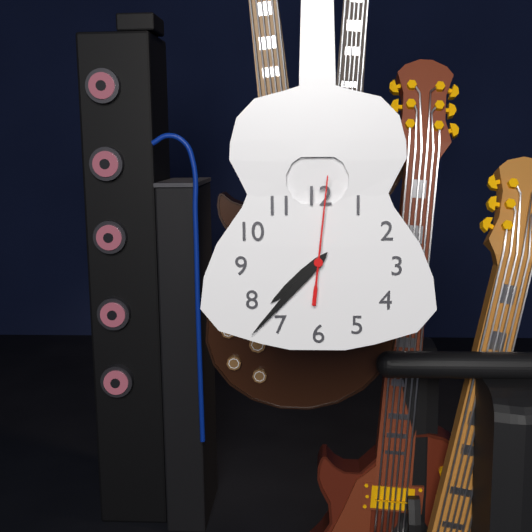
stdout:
7,37,01
